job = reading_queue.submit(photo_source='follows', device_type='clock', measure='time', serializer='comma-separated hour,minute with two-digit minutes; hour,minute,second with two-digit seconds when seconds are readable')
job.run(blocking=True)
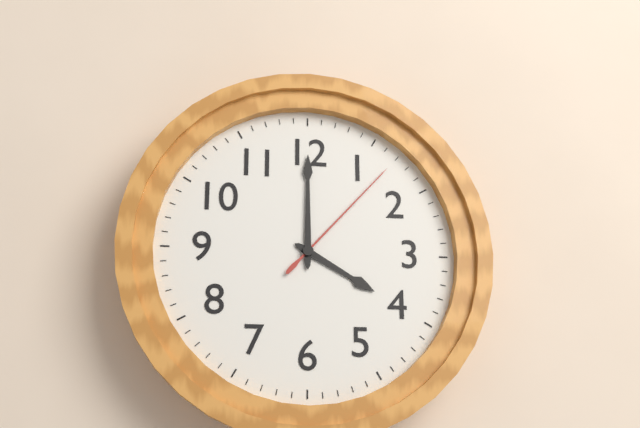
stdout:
4,00,07
